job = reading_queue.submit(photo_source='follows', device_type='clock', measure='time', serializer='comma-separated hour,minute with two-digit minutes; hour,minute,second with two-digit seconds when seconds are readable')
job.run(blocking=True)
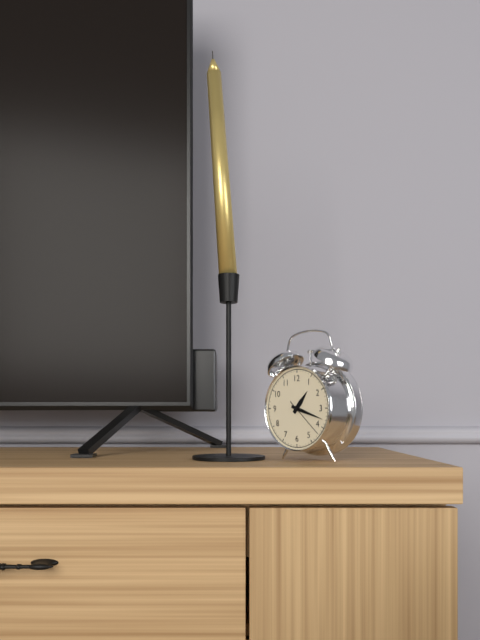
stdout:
1,18
